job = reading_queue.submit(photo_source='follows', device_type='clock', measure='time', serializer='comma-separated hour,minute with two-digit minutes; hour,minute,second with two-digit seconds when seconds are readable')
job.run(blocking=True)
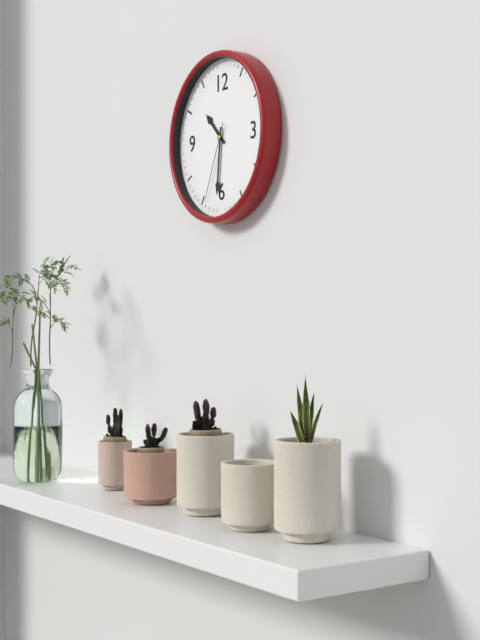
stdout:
10,31,34
